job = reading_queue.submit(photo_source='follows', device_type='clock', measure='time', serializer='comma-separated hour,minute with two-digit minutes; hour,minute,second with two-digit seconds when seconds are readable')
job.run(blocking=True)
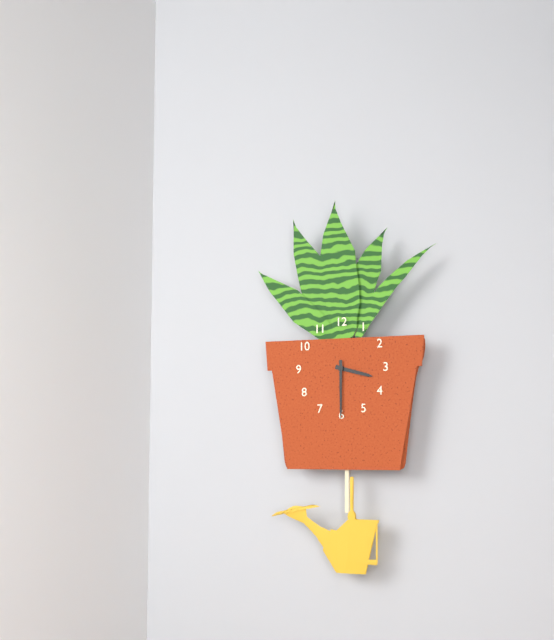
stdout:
3,30
